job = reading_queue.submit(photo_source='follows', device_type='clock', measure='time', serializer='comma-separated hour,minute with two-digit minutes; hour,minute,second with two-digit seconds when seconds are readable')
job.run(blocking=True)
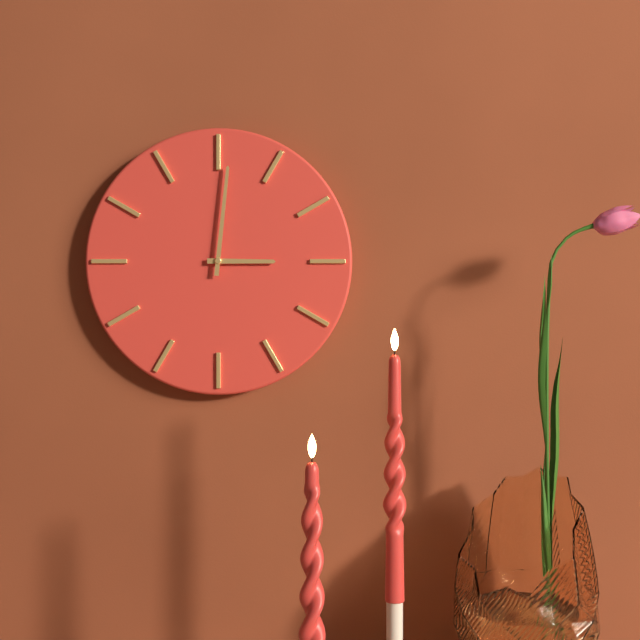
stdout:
3,01
